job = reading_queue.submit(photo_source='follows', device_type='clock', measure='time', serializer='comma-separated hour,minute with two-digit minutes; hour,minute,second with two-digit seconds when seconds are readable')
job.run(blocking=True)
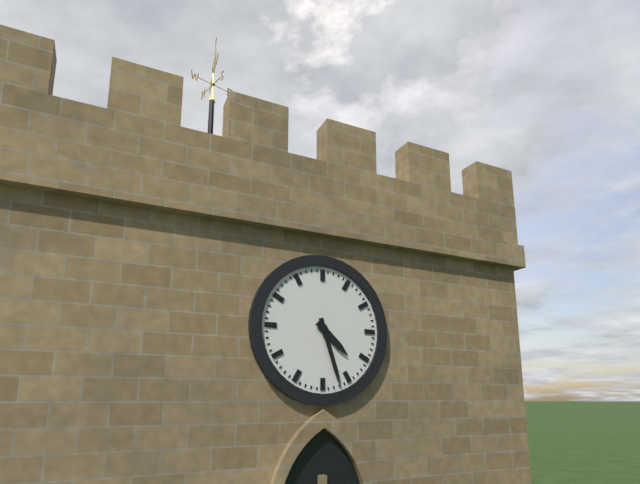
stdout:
4,27
